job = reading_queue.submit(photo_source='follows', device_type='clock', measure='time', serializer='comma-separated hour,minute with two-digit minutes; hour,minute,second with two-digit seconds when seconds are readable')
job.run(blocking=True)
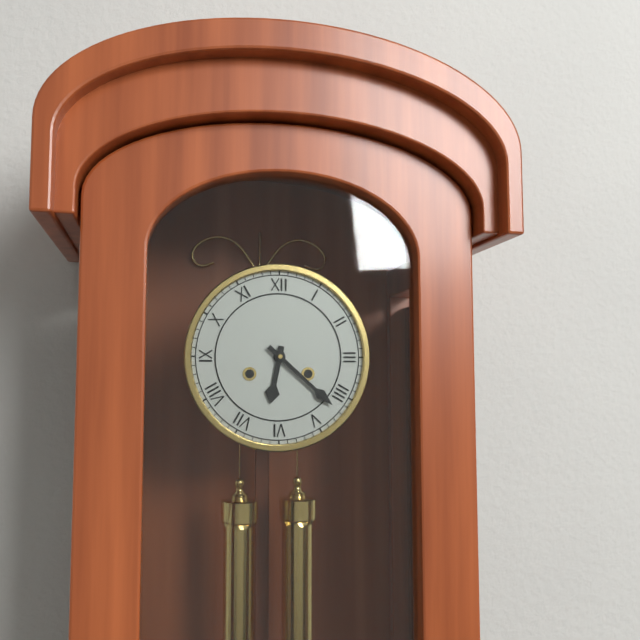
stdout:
6,22
